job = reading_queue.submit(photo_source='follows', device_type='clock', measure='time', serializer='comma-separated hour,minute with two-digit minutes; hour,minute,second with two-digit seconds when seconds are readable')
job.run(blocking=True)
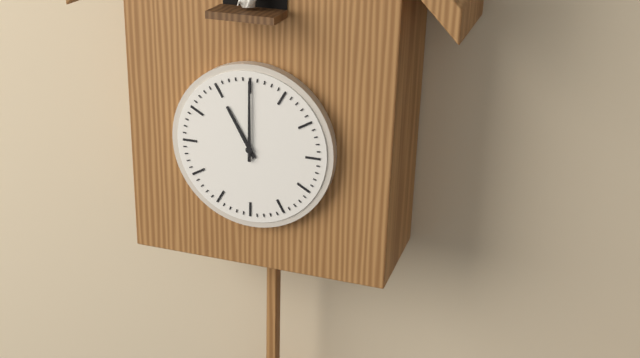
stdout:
11,00
